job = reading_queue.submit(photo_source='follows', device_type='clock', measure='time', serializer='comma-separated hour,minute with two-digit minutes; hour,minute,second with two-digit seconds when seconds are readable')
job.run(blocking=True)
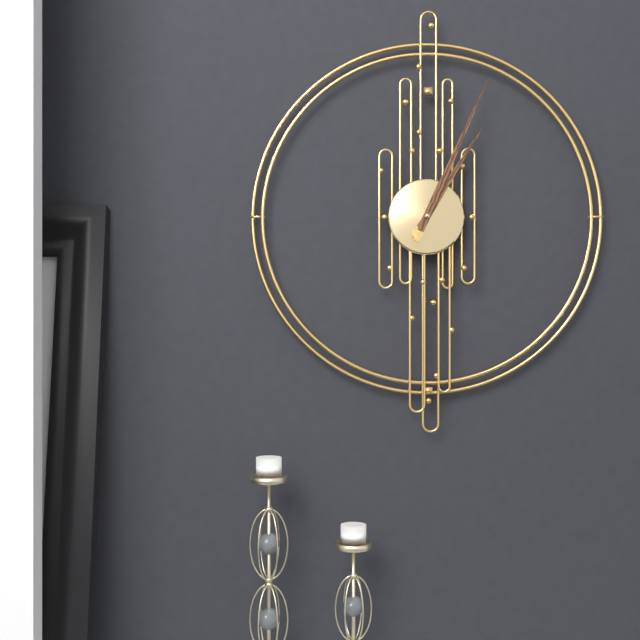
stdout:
1,04
